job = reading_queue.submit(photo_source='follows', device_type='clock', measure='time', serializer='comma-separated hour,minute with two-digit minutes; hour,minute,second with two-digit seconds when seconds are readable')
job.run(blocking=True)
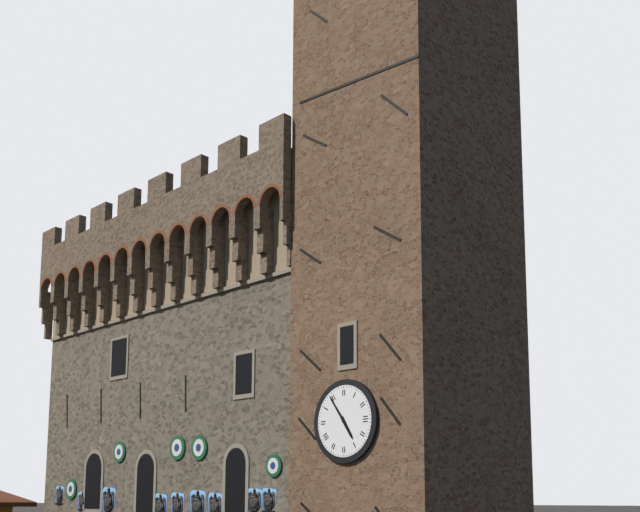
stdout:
4,54
